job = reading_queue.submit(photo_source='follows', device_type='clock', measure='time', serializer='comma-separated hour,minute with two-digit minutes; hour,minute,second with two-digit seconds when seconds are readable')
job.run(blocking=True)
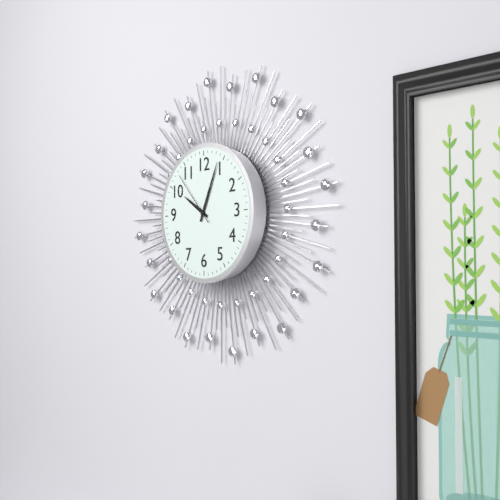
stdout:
10,04,53
